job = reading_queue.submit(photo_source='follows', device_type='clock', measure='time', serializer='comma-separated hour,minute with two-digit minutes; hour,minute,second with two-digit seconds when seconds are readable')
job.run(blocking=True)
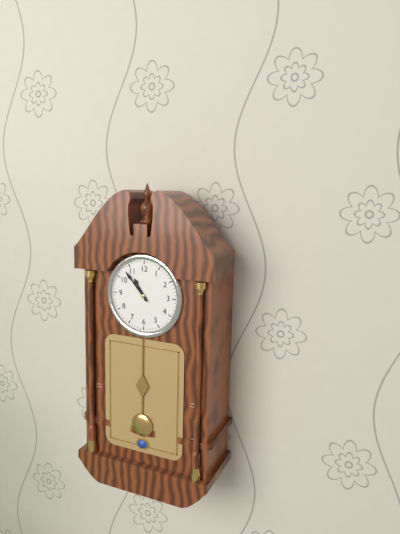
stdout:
10,53
